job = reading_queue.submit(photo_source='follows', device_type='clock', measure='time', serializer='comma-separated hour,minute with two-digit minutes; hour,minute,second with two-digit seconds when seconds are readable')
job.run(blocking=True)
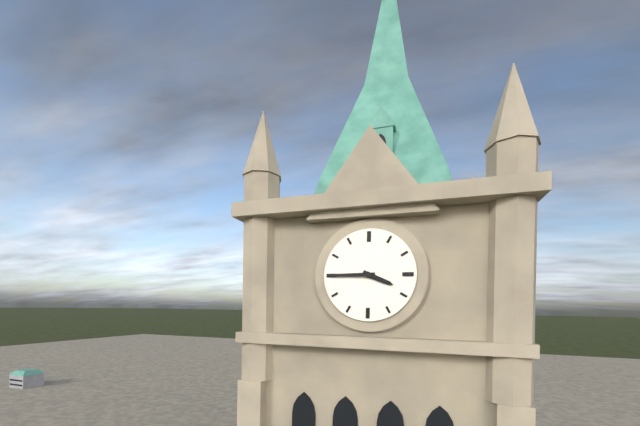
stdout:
3,45
